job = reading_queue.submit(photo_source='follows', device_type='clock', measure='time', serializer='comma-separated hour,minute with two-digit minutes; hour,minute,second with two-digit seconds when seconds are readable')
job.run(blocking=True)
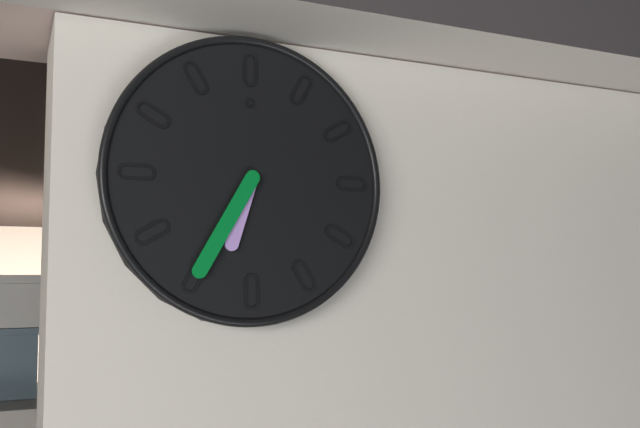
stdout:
6,35
